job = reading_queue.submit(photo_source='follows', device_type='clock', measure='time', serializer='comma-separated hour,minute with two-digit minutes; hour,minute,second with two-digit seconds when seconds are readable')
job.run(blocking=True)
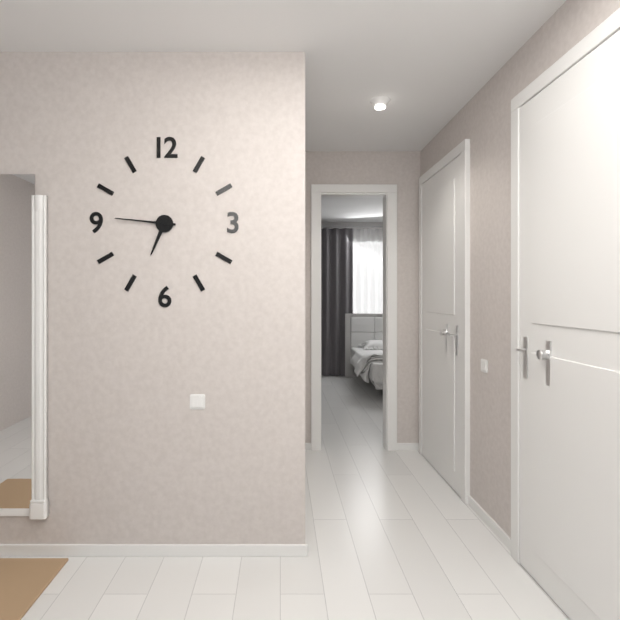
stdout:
6,46
